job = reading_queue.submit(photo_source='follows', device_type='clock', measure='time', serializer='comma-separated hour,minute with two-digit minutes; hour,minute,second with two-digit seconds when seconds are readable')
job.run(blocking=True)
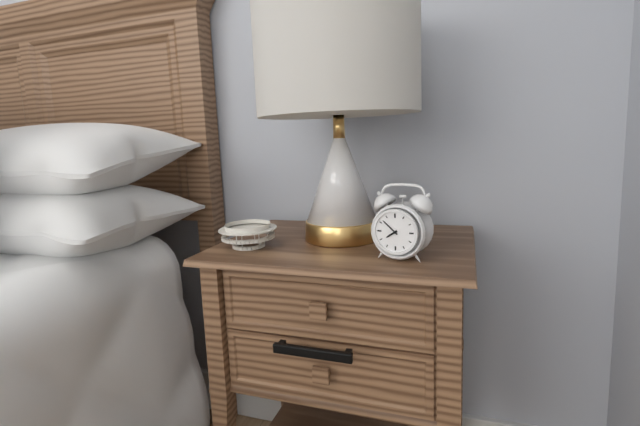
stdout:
7,52
